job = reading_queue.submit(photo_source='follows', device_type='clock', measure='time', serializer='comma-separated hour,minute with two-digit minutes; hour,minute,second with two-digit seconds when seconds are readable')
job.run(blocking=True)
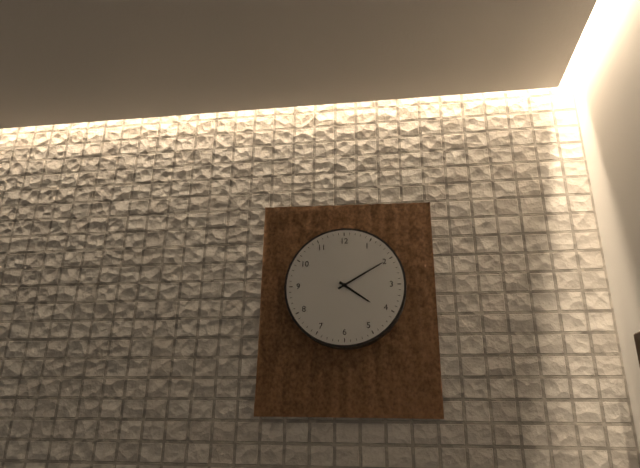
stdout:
4,10
